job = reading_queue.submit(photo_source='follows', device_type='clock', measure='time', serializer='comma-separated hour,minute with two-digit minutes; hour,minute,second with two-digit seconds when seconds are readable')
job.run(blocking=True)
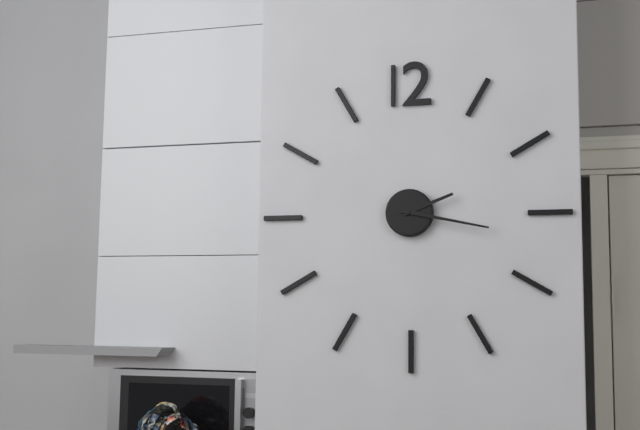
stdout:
2,17
